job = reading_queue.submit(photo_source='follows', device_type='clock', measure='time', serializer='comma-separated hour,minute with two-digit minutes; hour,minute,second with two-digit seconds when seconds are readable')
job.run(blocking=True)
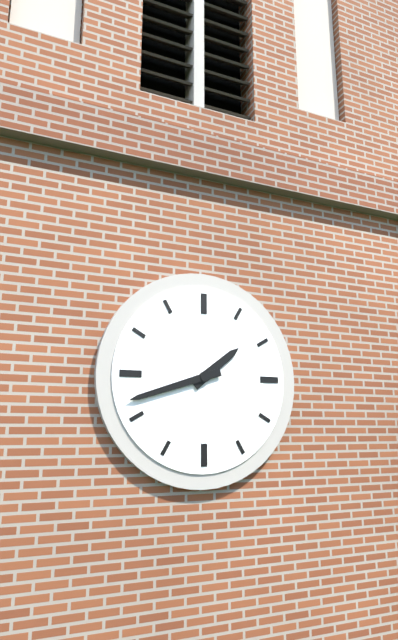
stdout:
1,42
